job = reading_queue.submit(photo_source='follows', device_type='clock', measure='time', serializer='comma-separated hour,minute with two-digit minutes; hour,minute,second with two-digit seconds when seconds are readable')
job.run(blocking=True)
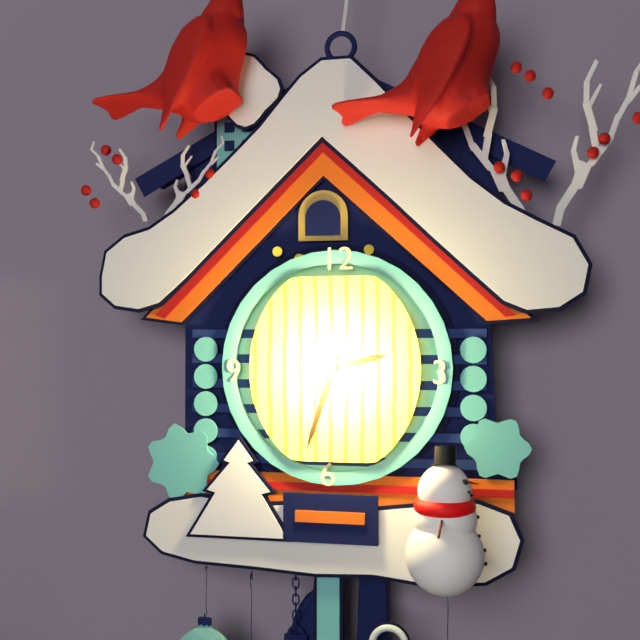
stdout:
2,33
